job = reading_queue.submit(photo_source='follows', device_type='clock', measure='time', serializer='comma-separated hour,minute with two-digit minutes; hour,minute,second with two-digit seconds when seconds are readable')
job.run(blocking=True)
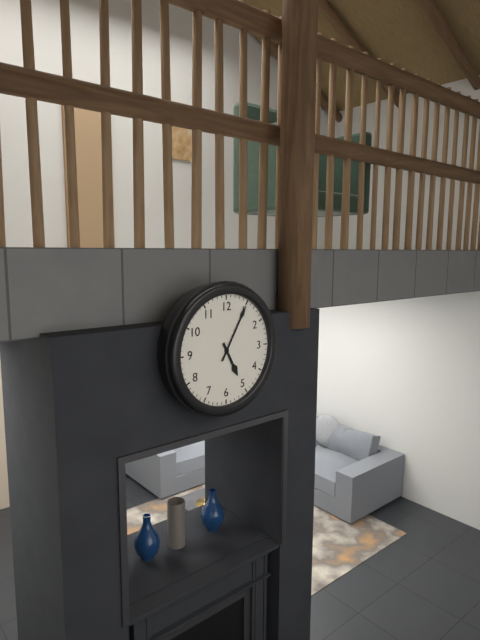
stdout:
5,05
